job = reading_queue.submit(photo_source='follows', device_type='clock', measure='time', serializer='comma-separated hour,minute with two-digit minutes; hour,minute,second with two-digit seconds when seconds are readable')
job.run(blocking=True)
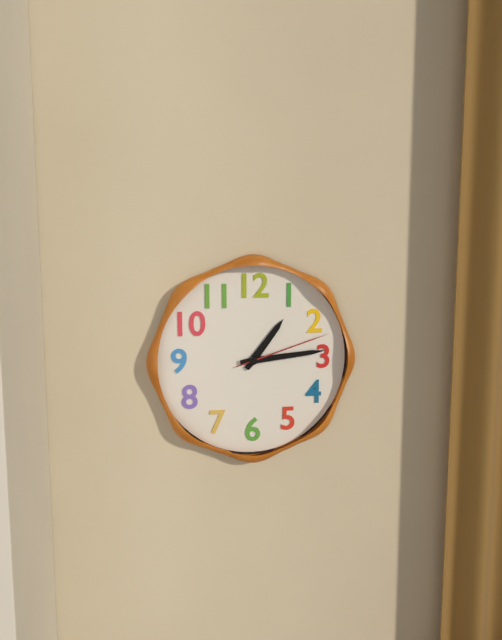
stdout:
1,14,12
